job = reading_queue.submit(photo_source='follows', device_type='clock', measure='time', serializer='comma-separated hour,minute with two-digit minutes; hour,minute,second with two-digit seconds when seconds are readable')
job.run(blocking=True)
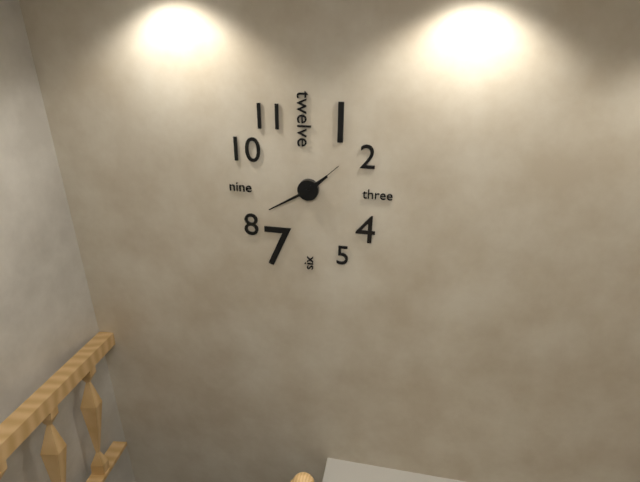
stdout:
1,40
